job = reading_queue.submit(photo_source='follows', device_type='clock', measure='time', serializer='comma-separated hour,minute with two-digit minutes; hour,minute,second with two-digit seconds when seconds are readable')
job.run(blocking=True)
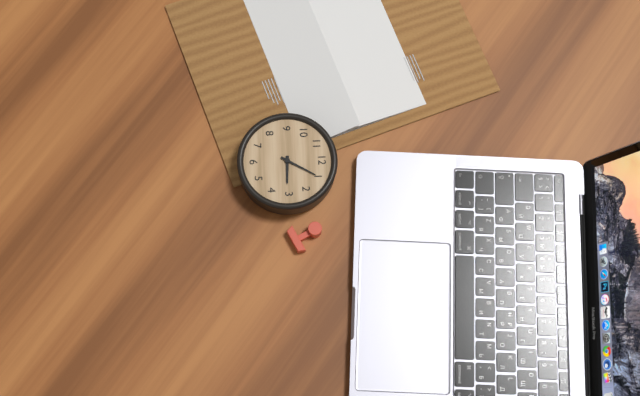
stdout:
3,05
